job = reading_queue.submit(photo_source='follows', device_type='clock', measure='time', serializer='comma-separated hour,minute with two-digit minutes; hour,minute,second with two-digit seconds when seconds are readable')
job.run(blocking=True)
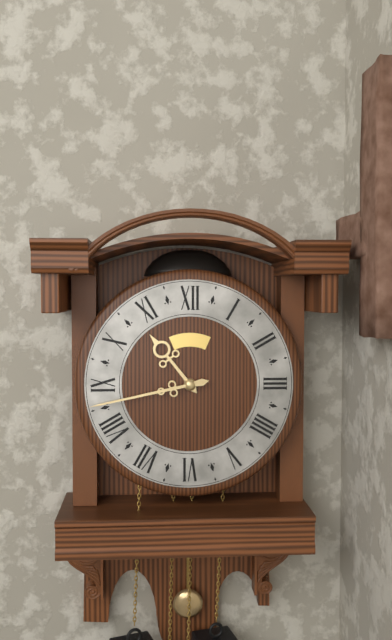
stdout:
10,43
